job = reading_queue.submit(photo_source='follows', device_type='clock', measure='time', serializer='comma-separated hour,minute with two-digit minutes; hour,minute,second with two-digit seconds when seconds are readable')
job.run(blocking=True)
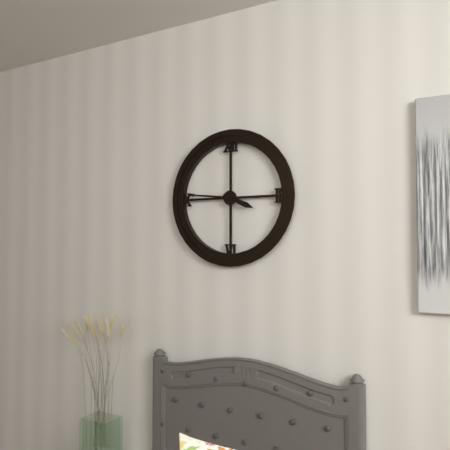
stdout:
3,46
